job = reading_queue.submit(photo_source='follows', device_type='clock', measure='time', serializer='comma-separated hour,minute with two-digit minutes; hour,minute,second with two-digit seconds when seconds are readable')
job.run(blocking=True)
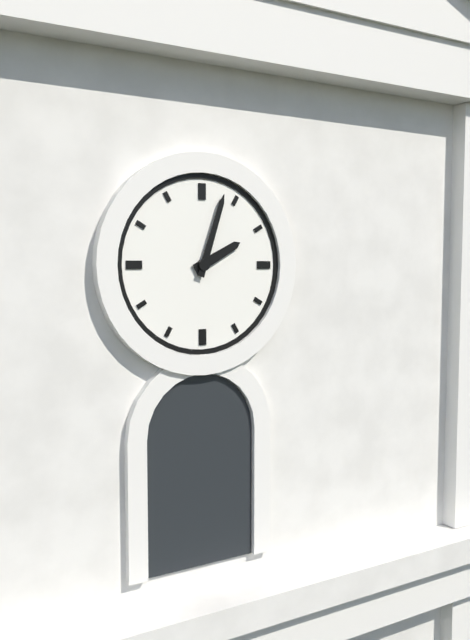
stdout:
2,03
